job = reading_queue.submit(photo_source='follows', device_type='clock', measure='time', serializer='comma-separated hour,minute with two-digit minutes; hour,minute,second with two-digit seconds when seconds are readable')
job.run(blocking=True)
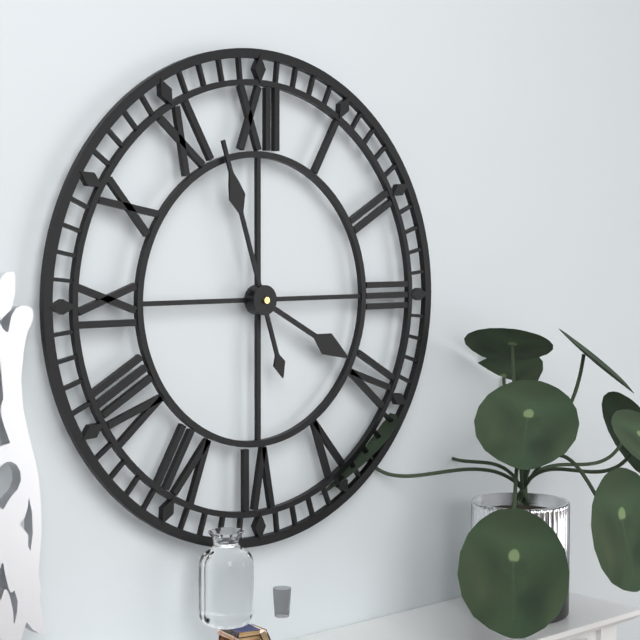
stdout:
3,57
